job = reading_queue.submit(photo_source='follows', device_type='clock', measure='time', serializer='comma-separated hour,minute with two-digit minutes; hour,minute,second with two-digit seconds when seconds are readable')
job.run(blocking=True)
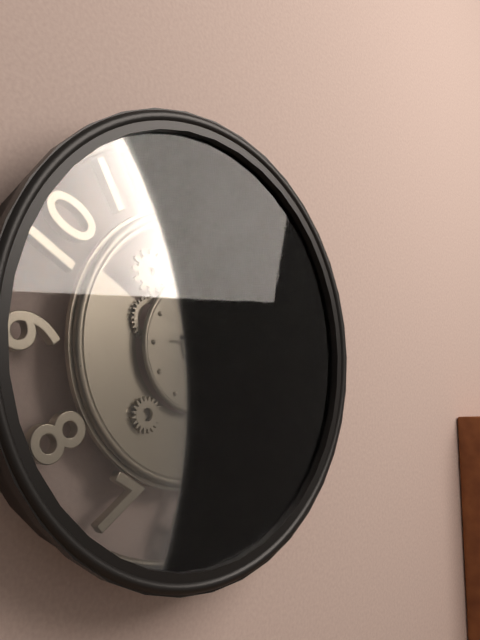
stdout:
1,20,17
